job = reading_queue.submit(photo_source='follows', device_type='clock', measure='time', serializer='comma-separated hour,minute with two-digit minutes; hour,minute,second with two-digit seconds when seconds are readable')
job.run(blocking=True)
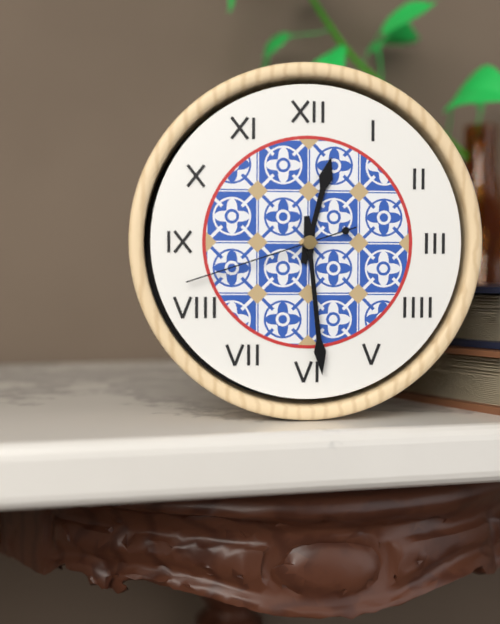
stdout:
12,29,42
